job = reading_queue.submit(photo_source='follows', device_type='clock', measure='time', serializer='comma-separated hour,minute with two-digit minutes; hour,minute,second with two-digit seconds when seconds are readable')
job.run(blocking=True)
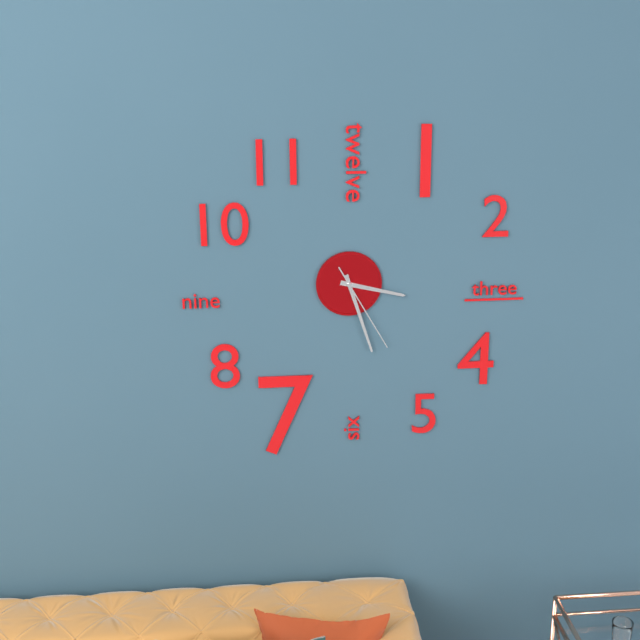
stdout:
3,27,25
